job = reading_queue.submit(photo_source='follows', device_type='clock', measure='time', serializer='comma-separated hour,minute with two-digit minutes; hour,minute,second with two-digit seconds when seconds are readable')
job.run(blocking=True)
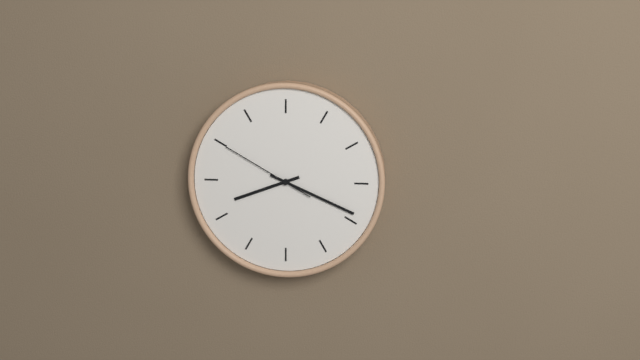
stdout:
8,19,50
